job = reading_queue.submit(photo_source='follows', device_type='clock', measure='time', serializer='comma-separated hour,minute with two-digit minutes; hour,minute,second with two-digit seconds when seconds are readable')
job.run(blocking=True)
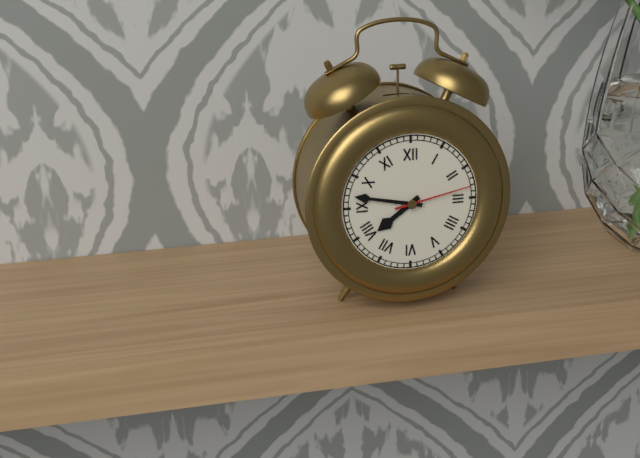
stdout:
7,47,13
